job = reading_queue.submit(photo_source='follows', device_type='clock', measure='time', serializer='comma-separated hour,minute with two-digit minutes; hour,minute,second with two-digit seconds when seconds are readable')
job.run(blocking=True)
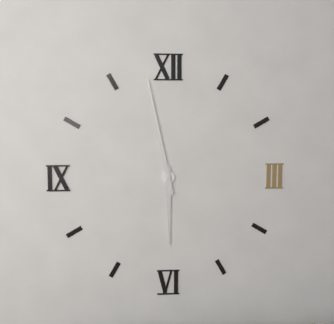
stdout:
5,58
